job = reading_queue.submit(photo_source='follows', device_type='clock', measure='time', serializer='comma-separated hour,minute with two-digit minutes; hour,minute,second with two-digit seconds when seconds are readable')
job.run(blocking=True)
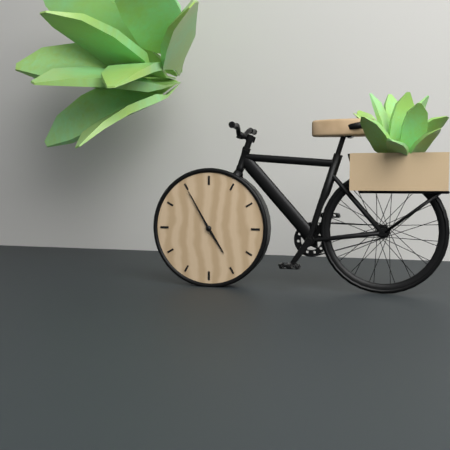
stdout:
4,55
